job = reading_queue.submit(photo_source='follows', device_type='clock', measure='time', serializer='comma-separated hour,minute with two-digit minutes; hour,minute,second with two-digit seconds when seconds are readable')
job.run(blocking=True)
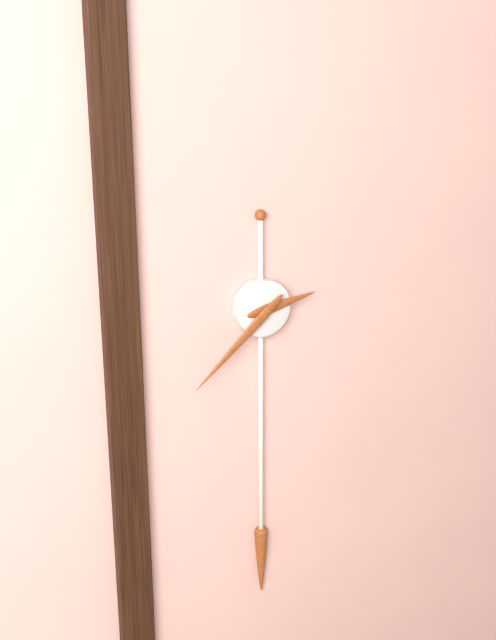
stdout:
2,38
